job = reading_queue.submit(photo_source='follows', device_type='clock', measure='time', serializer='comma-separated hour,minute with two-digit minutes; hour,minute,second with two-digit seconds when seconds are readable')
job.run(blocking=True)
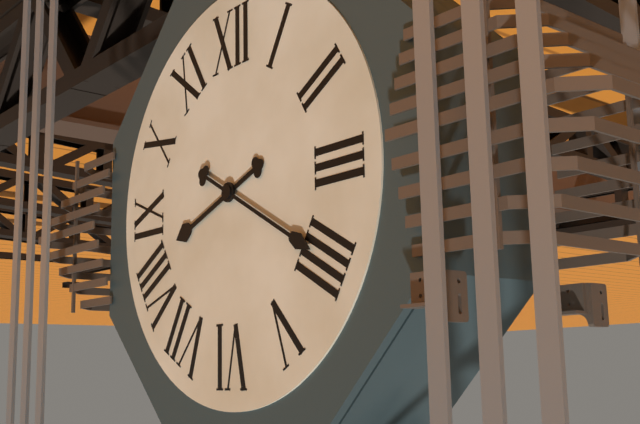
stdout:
8,20
